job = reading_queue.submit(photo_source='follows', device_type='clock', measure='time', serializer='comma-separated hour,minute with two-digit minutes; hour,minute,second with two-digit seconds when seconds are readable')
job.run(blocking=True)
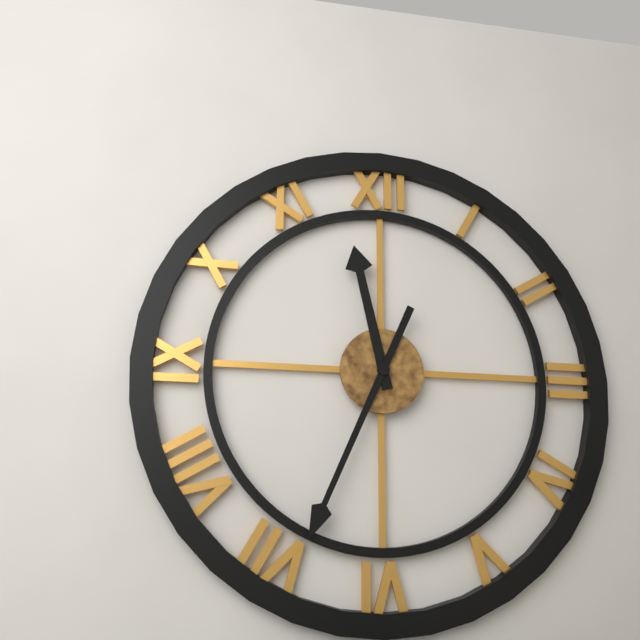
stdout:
11,34
